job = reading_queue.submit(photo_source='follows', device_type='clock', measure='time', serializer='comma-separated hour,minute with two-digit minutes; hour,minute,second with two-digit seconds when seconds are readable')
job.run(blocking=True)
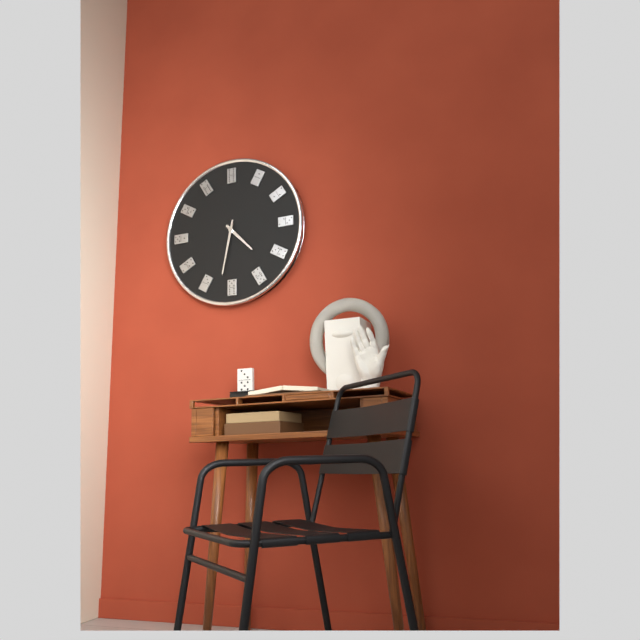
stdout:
4,32
